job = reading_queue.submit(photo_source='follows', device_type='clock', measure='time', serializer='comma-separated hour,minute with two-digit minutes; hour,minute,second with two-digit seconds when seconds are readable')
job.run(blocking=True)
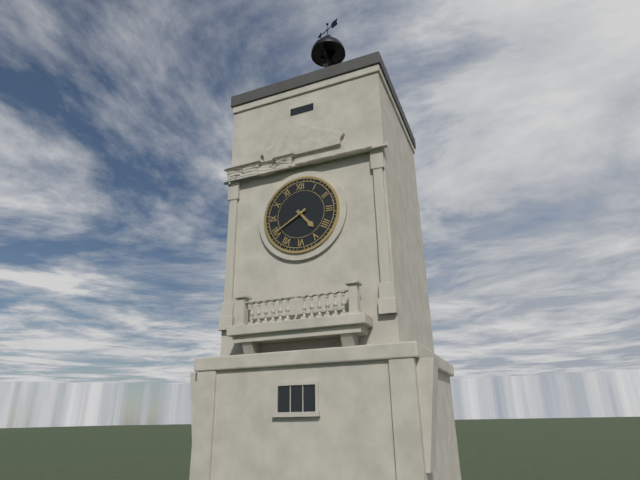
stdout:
4,40
